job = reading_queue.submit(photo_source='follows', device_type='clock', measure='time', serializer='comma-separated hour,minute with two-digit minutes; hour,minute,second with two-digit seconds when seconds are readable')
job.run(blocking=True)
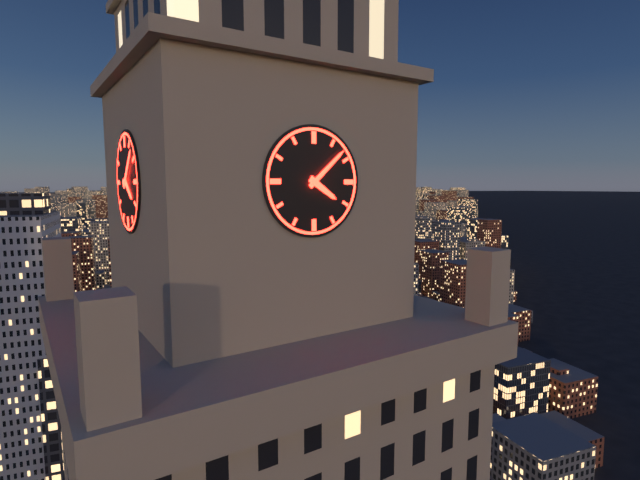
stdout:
4,08
